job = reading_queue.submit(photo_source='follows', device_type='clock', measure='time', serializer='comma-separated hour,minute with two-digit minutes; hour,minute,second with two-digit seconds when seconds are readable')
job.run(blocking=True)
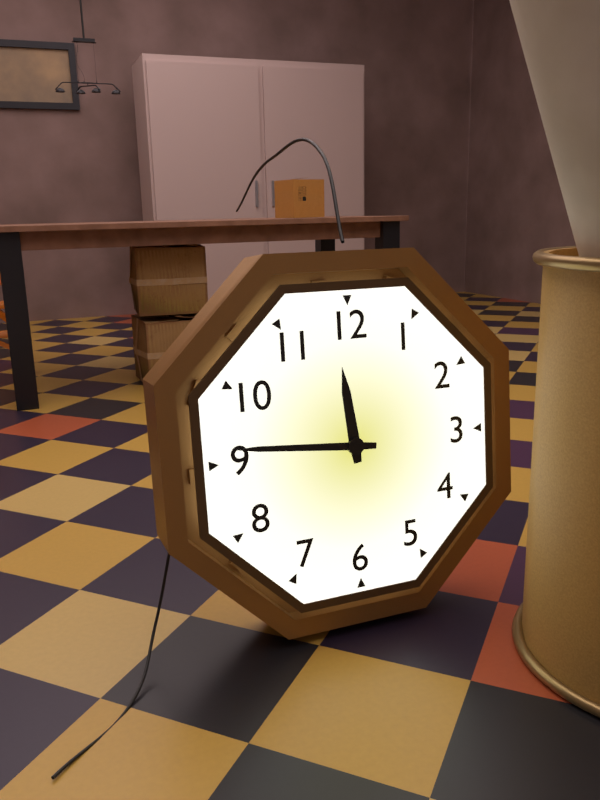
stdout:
11,46
